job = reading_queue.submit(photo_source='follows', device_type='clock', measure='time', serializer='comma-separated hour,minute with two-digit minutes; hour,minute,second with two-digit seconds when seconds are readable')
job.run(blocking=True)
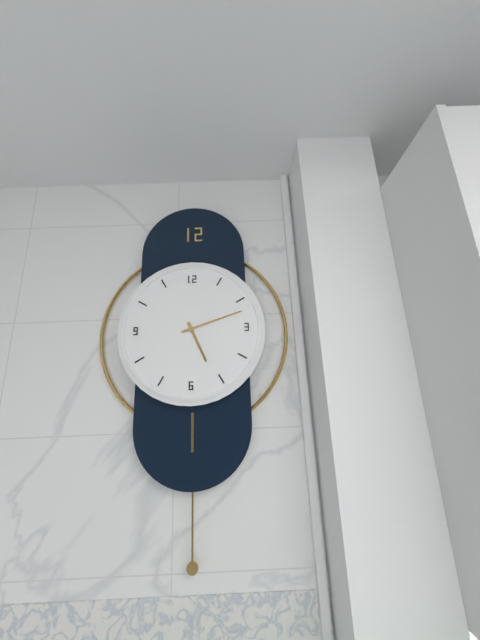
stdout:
5,12
